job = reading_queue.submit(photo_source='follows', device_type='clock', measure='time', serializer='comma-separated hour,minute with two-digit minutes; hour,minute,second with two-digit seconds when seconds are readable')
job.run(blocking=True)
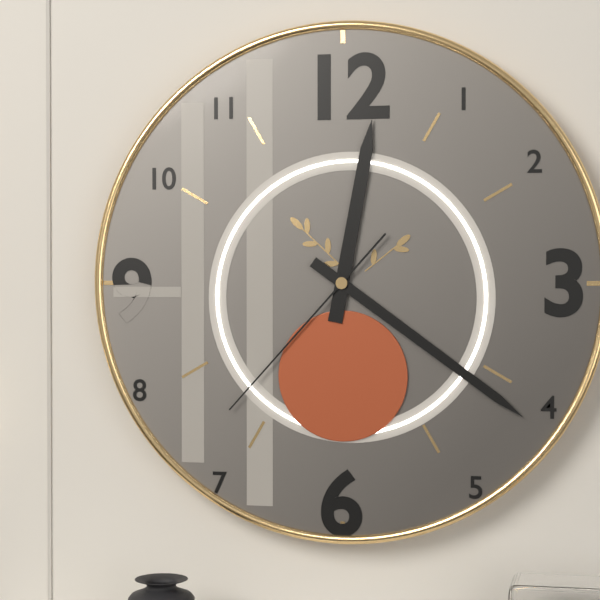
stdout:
12,21,37
